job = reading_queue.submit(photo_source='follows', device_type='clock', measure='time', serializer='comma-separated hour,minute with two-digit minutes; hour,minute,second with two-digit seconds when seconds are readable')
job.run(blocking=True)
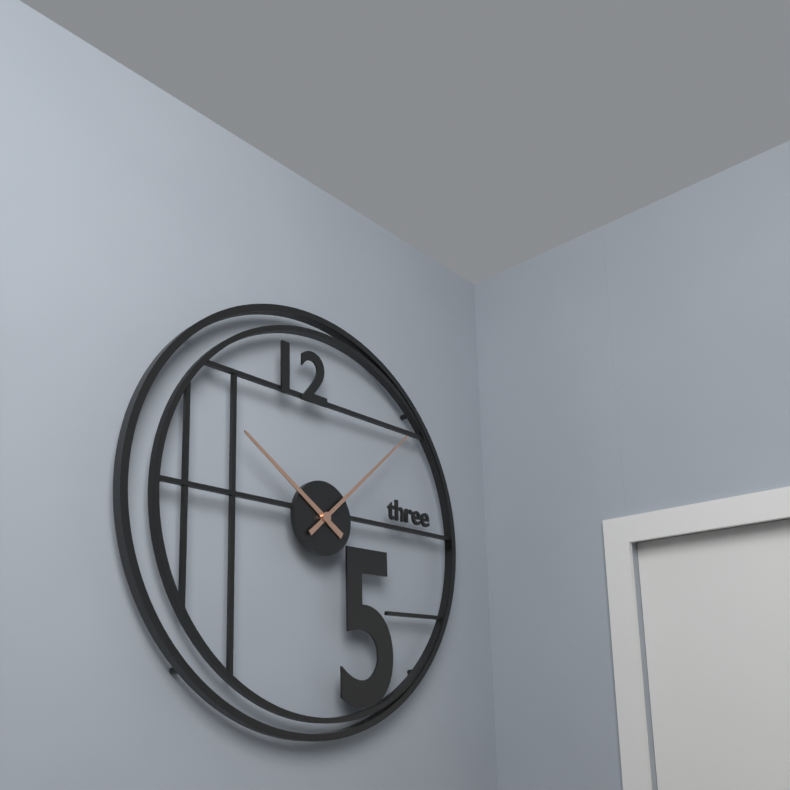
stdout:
10,08
